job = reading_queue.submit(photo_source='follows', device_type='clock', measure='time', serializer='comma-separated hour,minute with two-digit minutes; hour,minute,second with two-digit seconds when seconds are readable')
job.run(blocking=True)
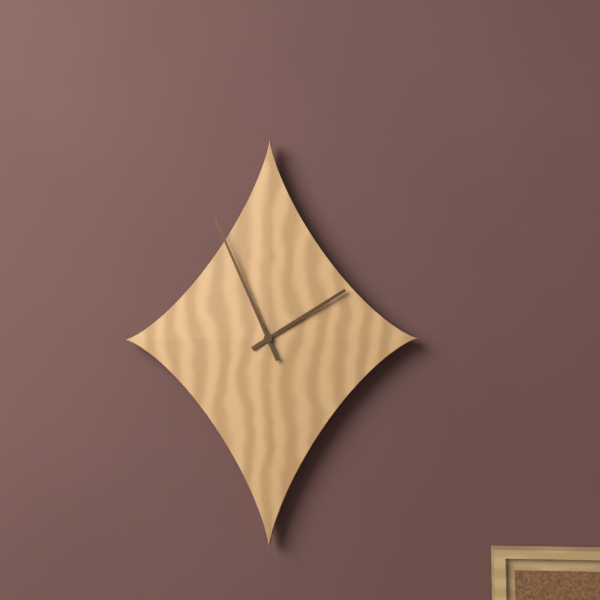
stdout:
1,56
